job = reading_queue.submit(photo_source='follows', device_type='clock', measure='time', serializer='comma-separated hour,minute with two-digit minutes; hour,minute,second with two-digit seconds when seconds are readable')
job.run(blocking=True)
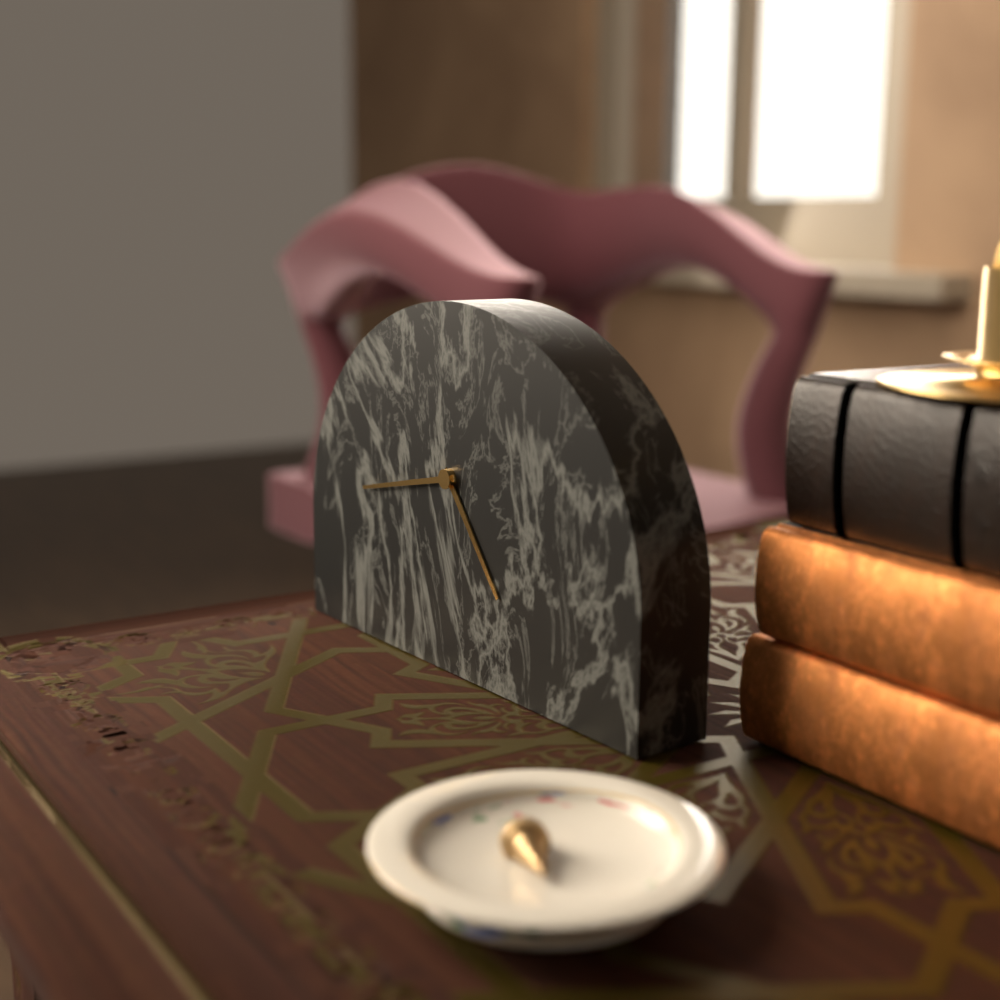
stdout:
4,43
